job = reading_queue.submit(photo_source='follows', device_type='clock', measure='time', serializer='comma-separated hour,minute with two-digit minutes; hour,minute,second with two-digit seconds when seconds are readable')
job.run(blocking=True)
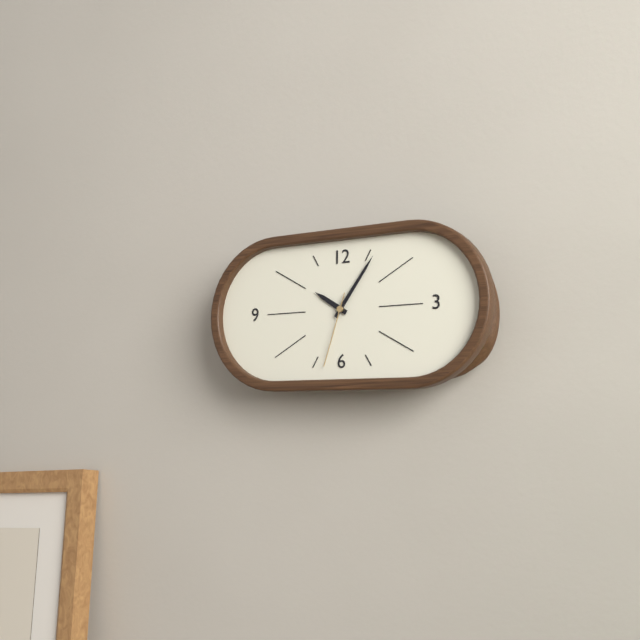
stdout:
10,06,33
